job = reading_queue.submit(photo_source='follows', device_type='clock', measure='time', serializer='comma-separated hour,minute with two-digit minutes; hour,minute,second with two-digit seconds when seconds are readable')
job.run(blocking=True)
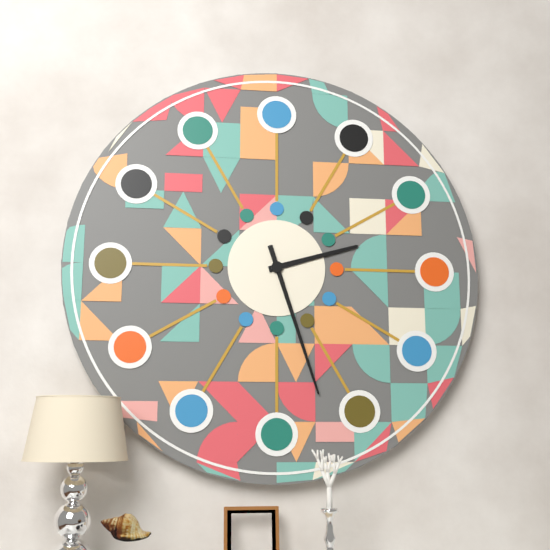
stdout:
2,27
